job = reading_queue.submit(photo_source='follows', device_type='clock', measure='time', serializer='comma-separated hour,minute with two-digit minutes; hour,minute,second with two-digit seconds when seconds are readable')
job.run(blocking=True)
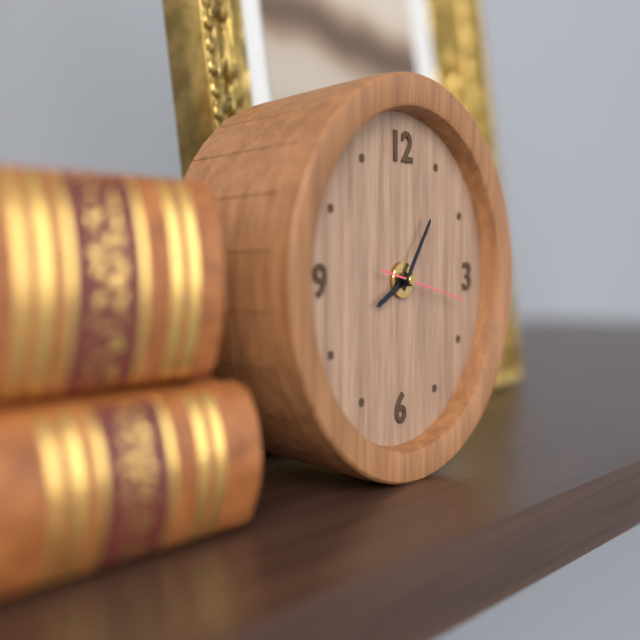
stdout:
8,06,17
